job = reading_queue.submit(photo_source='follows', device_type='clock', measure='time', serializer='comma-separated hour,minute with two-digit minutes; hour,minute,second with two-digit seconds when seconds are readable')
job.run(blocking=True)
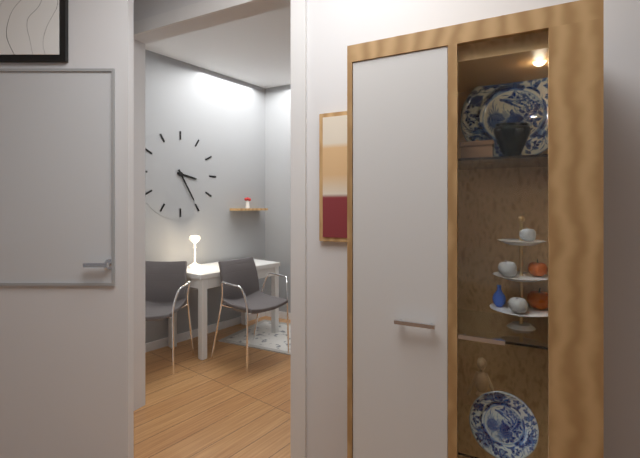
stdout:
3,25
